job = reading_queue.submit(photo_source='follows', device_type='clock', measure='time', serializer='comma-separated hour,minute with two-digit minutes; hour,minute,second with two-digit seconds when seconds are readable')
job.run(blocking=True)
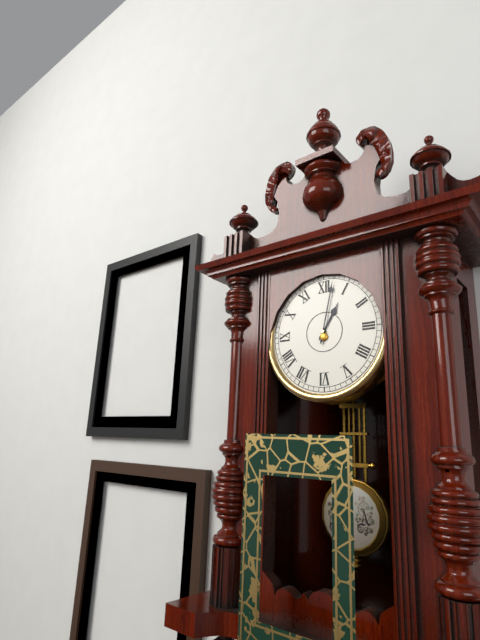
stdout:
1,02
